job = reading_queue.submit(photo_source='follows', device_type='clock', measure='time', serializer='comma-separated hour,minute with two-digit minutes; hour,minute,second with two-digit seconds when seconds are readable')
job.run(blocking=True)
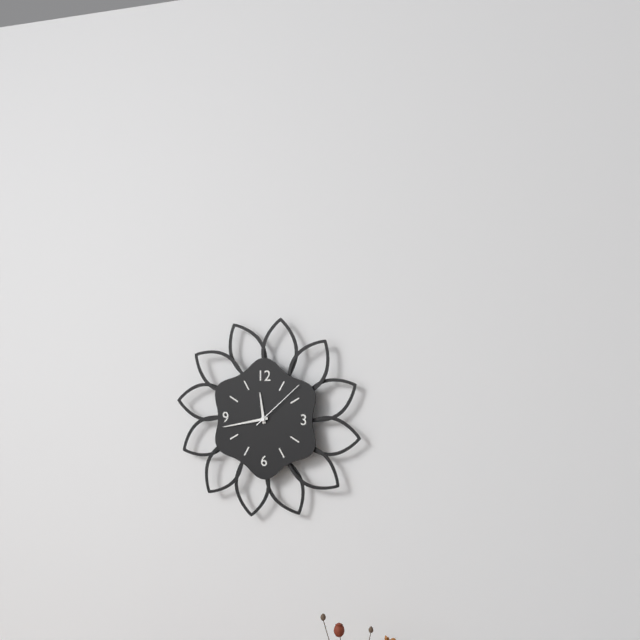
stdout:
11,43,08
